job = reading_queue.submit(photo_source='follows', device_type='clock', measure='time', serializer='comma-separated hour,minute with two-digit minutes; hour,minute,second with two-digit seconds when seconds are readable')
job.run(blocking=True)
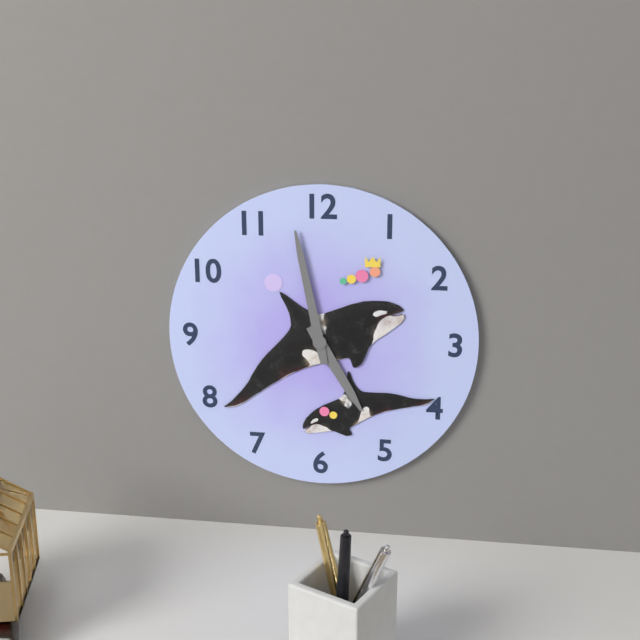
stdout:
4,58
